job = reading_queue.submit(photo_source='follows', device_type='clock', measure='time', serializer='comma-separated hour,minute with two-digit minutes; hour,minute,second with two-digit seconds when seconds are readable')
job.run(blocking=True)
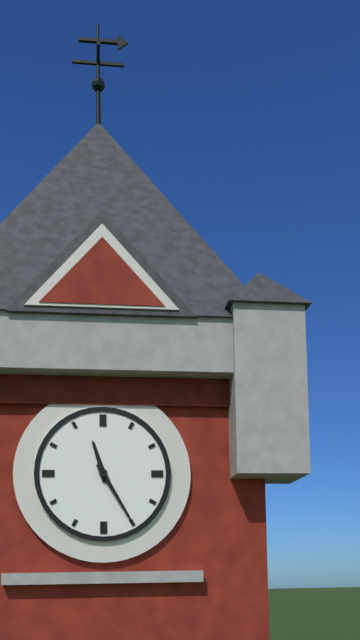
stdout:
11,25
